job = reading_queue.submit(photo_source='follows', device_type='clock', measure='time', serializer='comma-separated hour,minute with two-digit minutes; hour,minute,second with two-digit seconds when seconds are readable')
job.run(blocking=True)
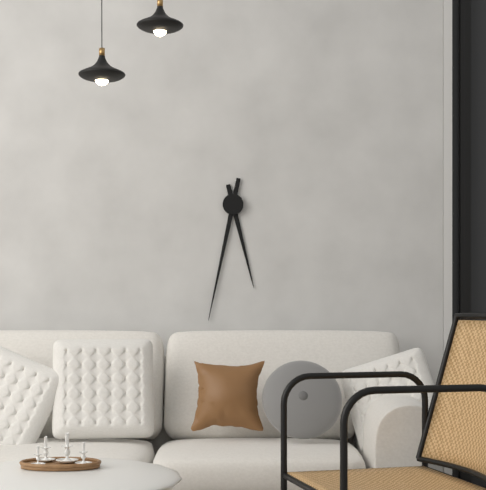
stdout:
5,32
